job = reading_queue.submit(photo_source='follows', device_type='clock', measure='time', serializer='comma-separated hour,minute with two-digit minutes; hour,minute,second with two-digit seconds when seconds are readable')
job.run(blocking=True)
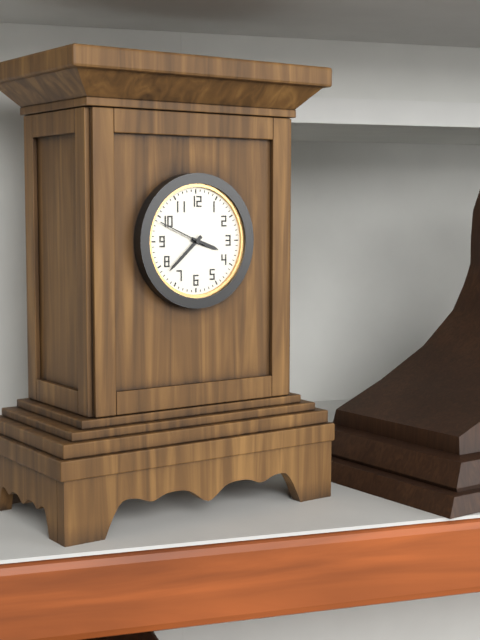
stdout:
3,38
